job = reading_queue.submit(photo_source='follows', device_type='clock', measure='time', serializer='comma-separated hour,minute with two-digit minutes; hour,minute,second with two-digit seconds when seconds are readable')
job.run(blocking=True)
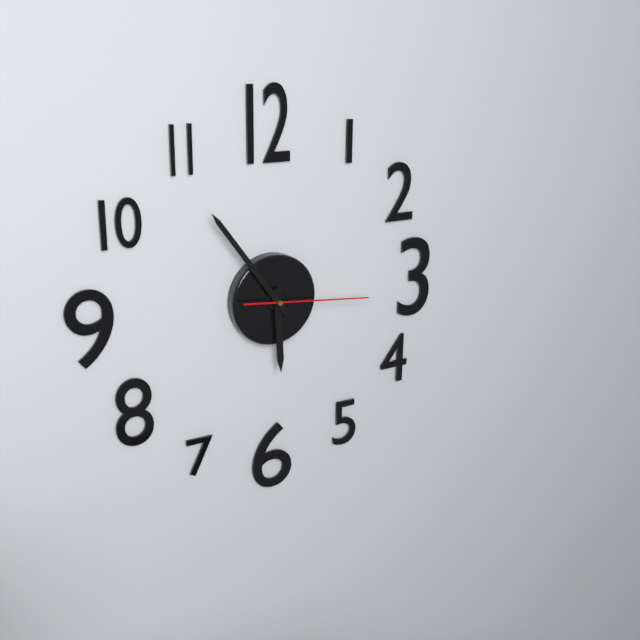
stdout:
5,54,16
